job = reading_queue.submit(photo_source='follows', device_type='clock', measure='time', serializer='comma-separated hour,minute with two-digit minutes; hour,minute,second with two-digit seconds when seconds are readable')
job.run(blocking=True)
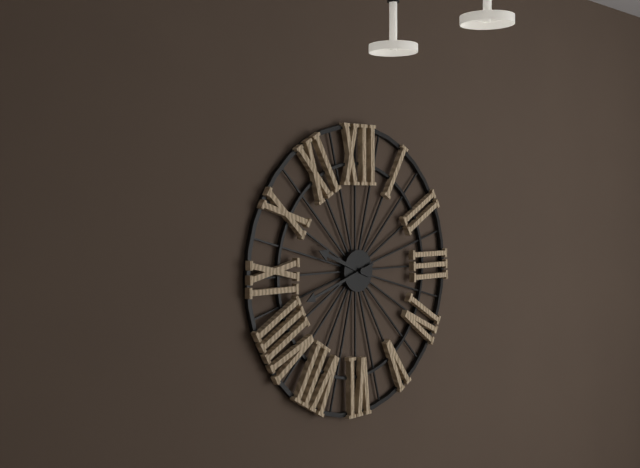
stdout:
9,42
